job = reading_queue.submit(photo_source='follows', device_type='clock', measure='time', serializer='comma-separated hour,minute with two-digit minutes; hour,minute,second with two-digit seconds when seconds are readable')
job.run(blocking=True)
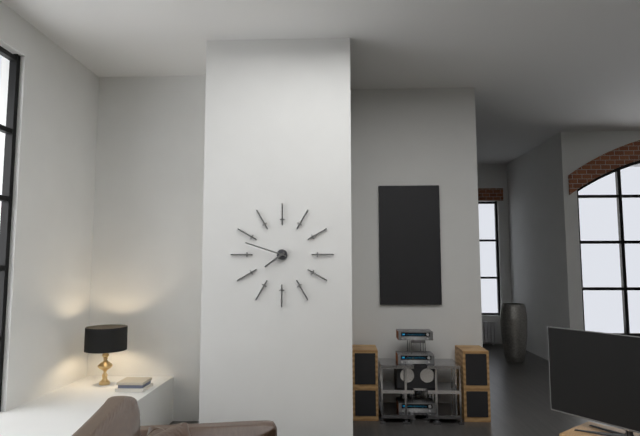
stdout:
7,48
